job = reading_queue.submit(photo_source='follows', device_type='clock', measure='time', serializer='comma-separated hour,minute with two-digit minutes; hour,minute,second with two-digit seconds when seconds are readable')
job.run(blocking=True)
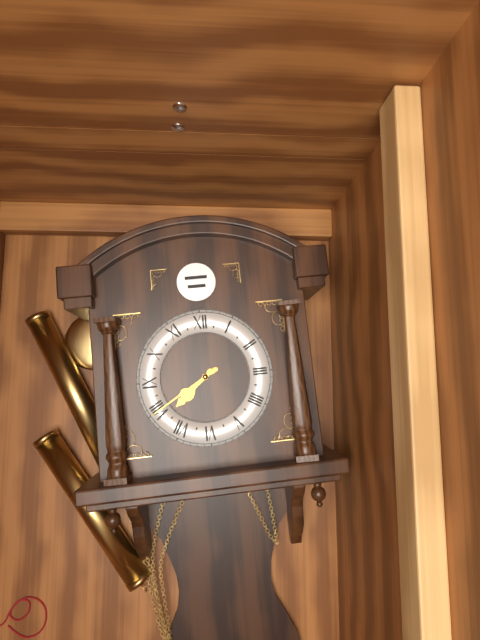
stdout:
7,40
